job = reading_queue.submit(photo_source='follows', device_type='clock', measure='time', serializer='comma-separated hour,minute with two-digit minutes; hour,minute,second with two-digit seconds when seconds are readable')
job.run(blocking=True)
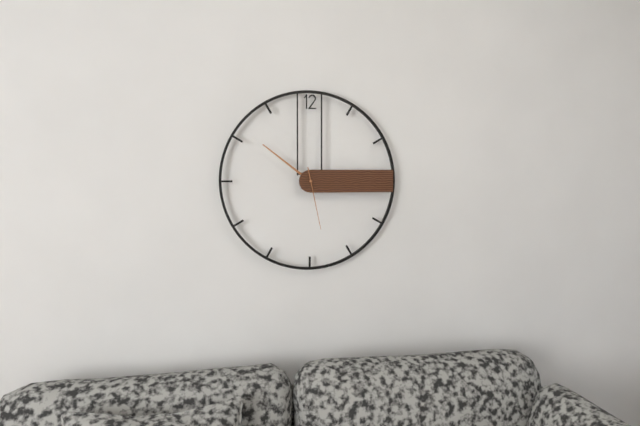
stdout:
10,15,28
